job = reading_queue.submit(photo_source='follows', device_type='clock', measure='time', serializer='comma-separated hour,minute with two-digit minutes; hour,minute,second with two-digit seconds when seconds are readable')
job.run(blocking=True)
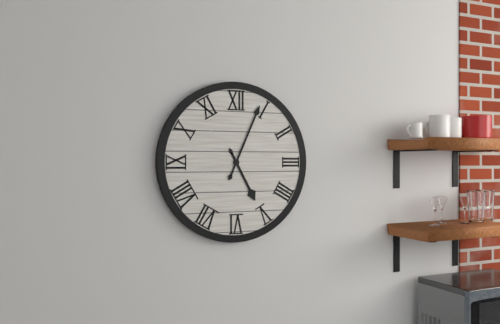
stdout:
5,04
